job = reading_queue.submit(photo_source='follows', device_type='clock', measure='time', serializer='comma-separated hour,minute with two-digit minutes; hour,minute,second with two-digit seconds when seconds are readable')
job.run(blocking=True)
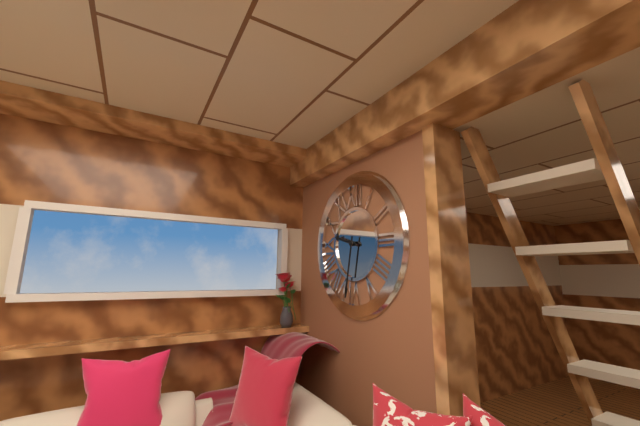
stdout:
9,32
